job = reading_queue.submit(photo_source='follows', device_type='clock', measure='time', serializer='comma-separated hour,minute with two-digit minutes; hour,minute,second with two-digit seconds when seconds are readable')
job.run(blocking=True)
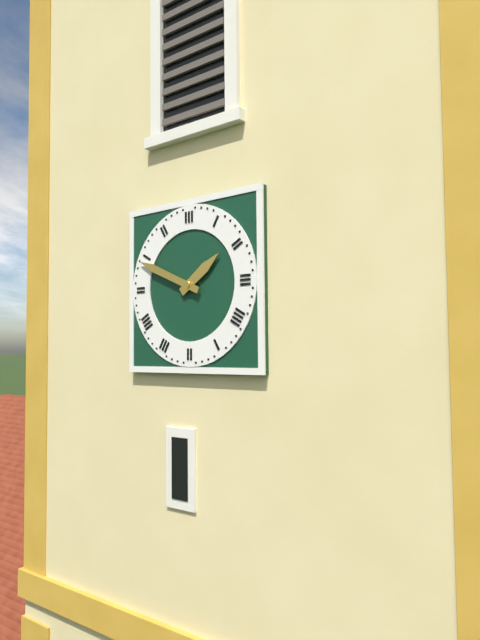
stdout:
1,49
